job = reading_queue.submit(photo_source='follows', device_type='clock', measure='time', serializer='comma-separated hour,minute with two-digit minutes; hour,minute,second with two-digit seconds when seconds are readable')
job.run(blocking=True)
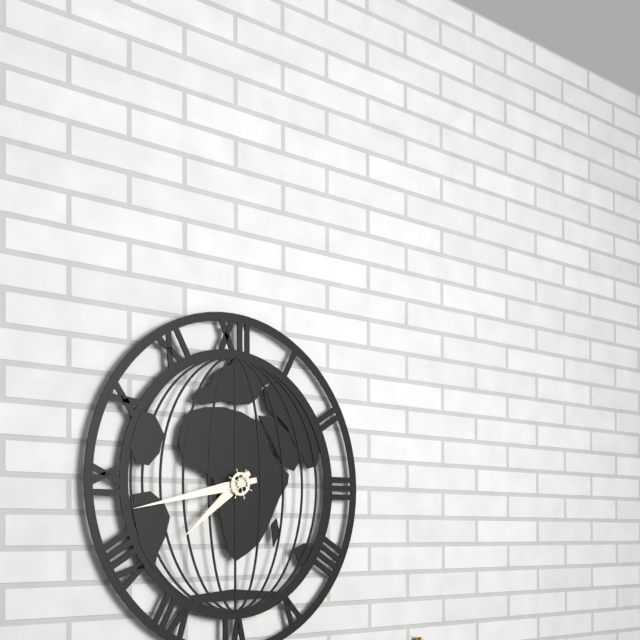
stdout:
7,43
